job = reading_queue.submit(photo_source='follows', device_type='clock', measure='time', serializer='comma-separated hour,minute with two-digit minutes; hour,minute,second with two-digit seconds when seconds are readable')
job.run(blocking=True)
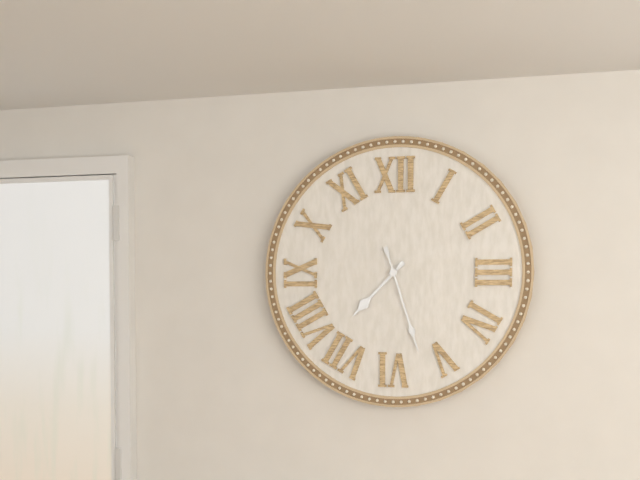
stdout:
7,27
